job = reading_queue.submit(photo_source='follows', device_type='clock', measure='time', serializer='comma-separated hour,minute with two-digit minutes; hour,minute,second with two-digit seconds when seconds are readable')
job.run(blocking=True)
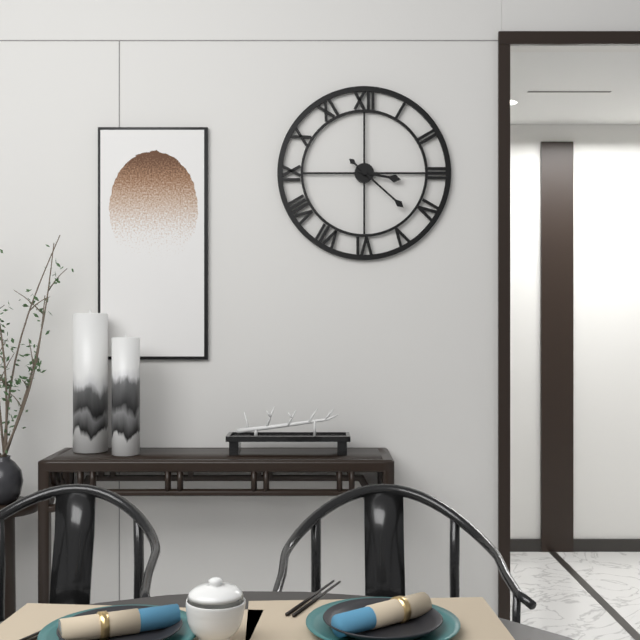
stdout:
3,22
